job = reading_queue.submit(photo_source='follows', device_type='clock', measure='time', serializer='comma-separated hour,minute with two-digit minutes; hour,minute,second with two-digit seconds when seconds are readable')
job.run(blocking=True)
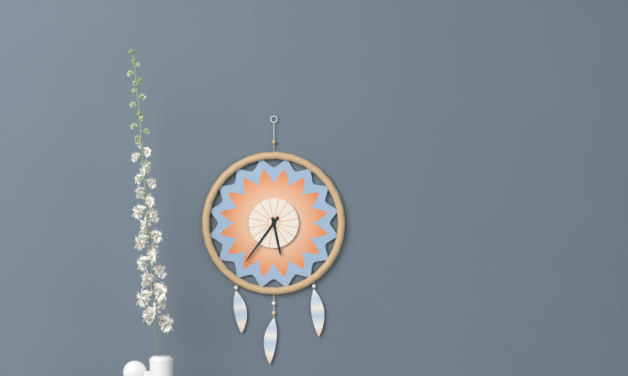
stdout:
5,36
